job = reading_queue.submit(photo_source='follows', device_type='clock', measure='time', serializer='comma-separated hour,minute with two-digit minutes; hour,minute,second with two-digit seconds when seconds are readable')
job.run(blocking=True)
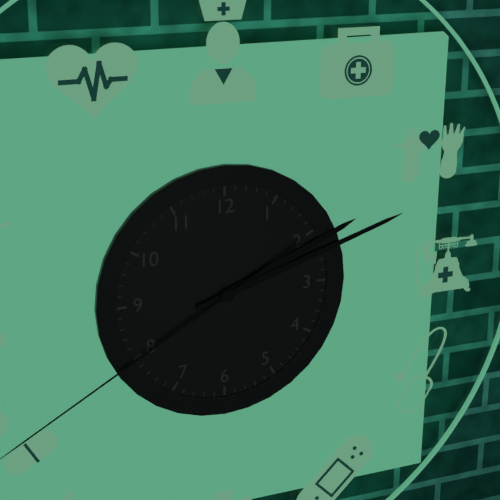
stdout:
2,12
